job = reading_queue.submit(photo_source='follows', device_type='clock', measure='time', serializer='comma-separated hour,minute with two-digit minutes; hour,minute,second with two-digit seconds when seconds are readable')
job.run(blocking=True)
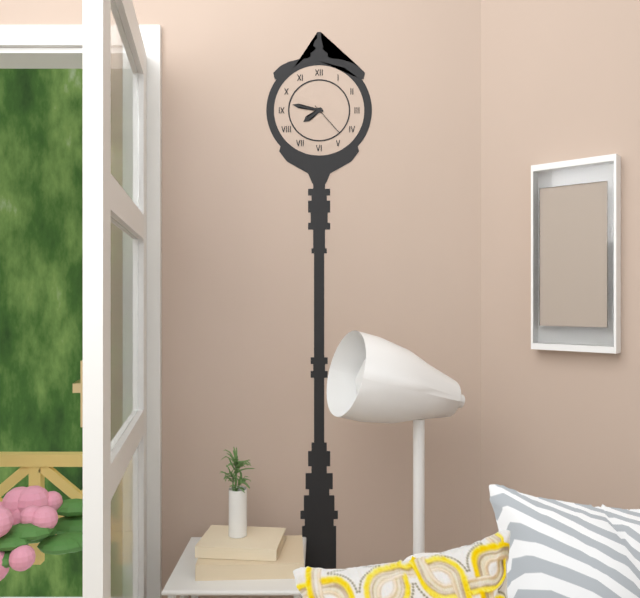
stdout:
7,47
